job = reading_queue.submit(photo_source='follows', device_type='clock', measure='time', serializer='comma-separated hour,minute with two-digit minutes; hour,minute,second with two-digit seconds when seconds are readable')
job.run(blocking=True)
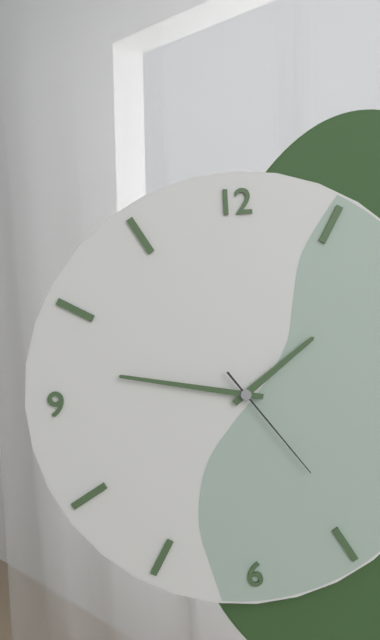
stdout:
1,47,24
